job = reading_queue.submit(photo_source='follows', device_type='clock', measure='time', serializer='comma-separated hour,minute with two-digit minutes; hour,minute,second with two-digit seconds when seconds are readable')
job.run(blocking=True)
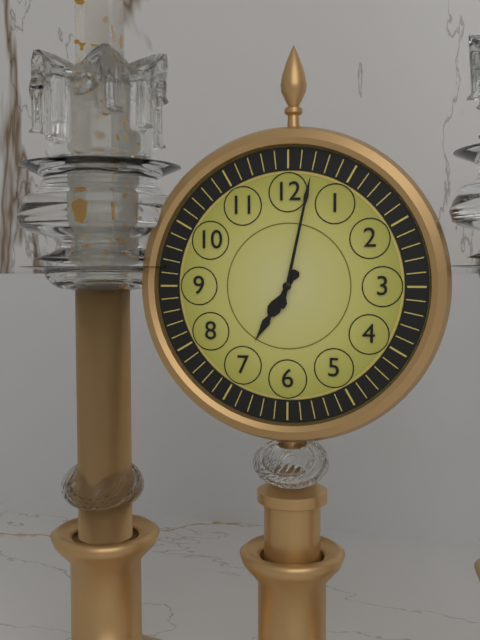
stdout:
7,02
